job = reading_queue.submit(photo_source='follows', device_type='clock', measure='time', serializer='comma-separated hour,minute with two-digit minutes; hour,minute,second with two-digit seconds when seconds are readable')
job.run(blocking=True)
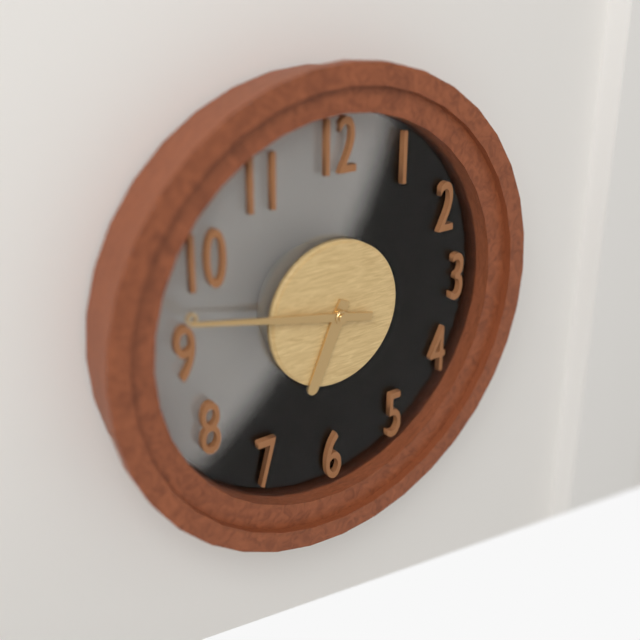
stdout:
6,47
